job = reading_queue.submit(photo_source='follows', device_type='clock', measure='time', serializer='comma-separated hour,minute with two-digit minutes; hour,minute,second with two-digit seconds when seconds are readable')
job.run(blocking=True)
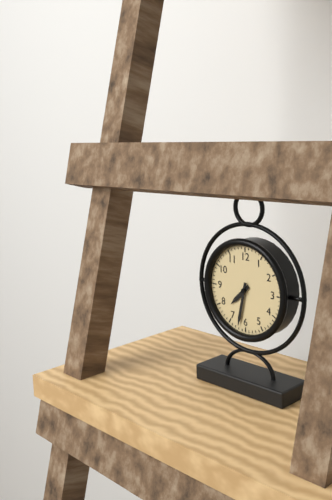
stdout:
7,32
